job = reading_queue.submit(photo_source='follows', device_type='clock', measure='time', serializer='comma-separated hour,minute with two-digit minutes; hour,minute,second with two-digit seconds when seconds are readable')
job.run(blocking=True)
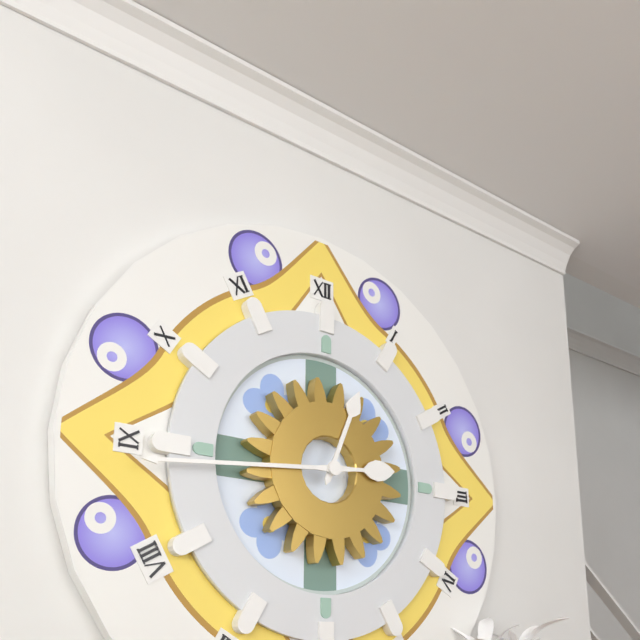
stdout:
12,44
